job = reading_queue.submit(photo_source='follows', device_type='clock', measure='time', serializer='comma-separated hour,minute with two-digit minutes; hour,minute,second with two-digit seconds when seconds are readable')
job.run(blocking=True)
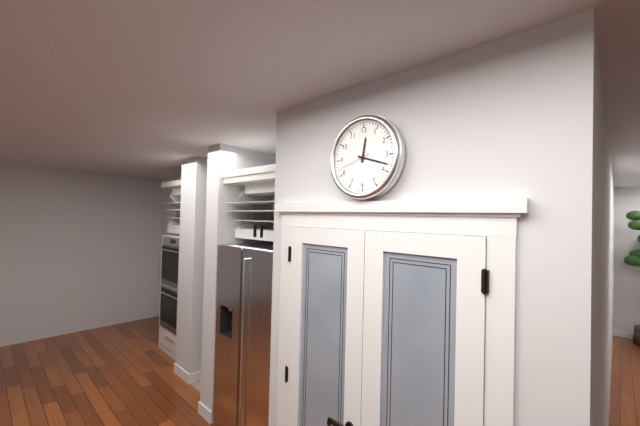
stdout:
12,18
